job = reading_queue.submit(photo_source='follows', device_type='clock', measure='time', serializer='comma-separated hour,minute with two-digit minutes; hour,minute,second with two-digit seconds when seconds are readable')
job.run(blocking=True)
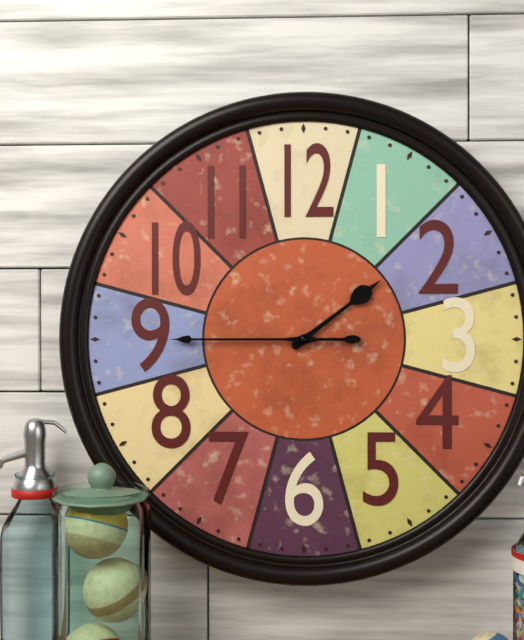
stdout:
1,45
